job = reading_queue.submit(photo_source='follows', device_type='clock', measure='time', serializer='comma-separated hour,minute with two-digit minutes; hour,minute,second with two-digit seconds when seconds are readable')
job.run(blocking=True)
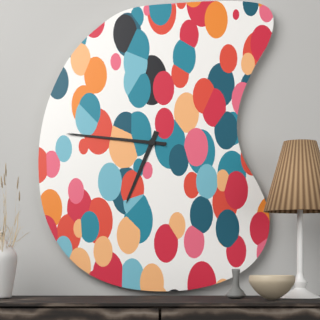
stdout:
6,46
